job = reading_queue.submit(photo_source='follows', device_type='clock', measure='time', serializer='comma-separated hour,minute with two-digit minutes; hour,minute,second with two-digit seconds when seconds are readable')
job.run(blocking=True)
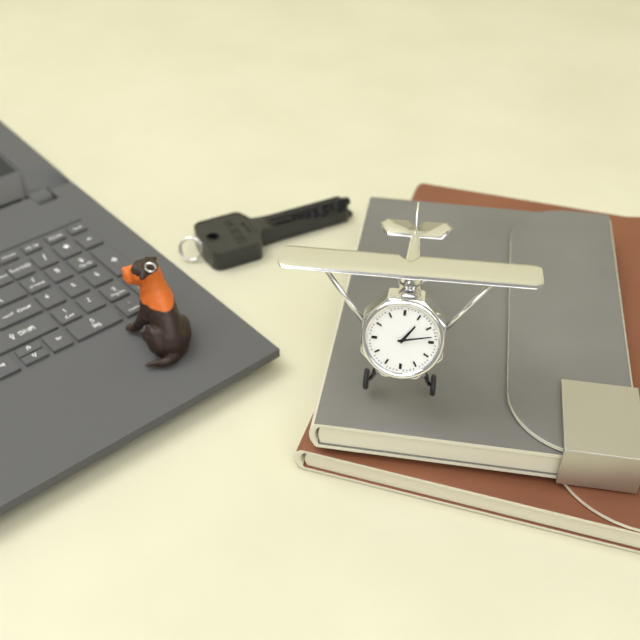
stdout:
1,13
